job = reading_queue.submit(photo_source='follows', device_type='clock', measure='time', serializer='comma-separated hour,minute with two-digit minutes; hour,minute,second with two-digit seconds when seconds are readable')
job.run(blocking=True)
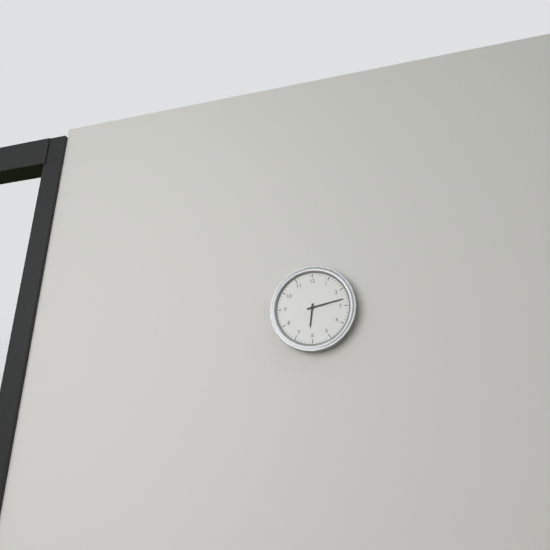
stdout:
6,13
